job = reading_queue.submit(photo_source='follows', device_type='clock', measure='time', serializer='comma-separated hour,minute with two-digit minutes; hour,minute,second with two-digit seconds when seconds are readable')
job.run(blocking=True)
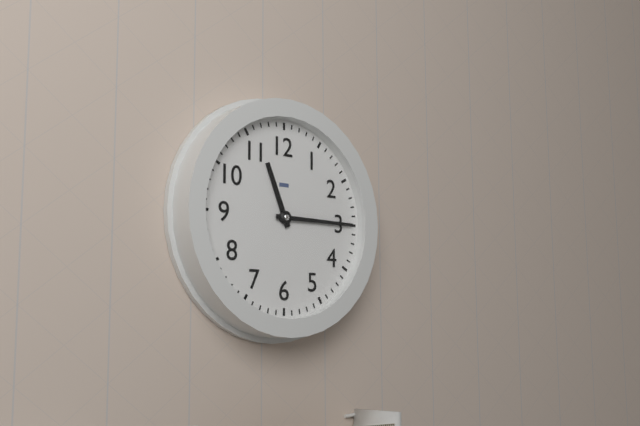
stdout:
11,15
